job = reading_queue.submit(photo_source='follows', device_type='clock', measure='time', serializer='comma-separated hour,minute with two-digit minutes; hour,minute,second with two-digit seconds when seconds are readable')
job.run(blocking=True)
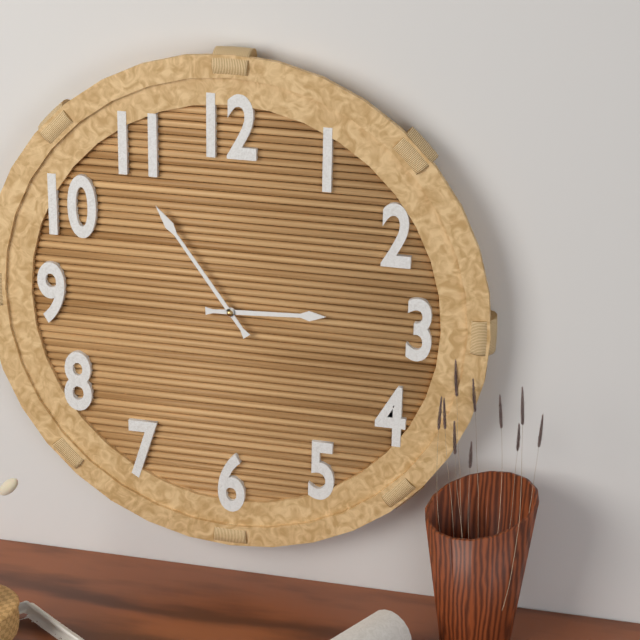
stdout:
2,54
